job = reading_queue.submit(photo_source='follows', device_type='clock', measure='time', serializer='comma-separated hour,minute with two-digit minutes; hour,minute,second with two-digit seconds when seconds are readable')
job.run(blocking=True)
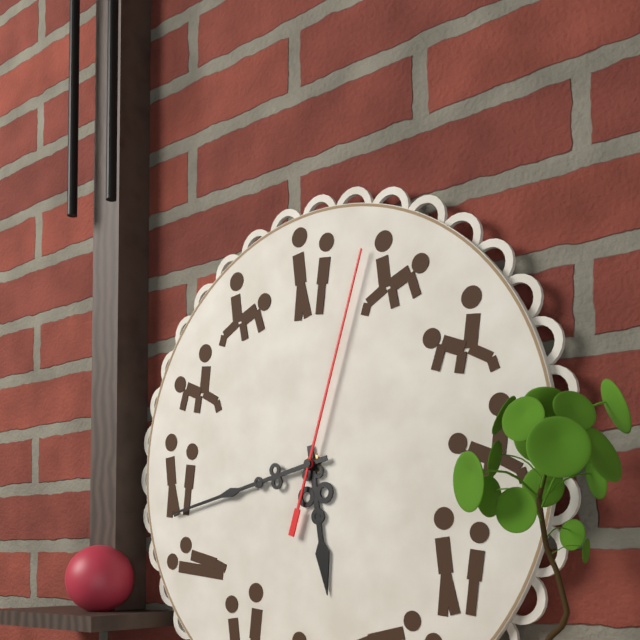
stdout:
5,43,03
